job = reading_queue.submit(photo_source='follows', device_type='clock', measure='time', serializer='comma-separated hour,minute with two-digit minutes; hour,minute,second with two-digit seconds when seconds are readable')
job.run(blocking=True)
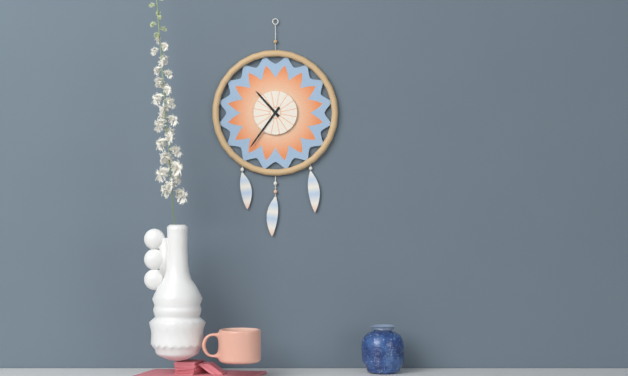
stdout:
10,36
